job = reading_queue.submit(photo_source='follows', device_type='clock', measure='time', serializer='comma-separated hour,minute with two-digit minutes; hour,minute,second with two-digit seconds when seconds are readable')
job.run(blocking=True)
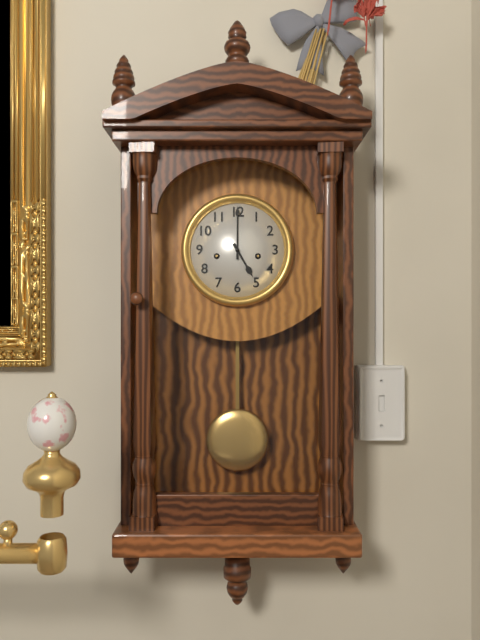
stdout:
5,00
